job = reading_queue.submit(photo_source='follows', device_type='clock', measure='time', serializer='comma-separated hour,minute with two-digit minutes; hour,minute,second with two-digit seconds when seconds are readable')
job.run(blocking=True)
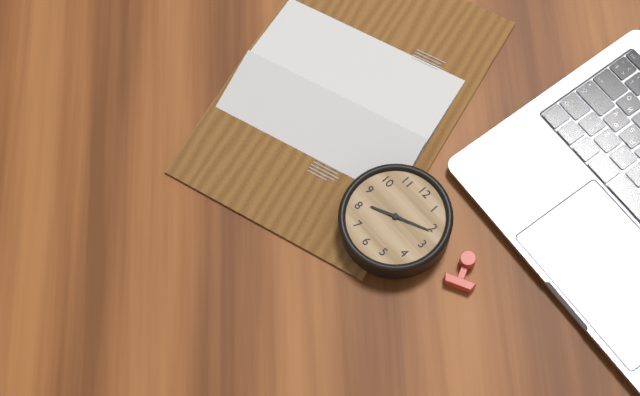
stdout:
8,11
